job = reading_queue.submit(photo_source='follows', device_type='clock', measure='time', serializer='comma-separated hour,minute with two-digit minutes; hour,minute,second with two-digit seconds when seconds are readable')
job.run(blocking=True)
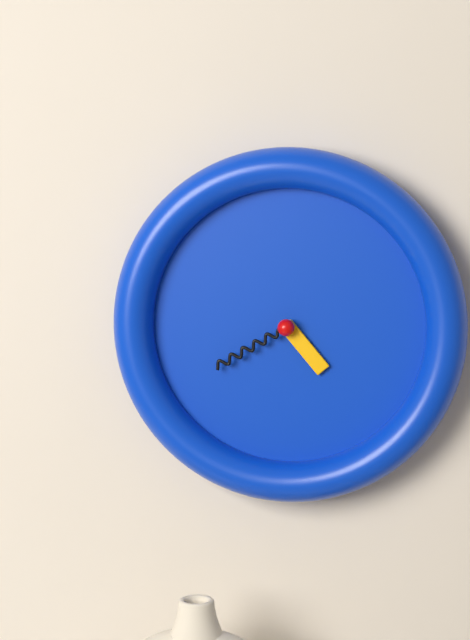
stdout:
4,40
